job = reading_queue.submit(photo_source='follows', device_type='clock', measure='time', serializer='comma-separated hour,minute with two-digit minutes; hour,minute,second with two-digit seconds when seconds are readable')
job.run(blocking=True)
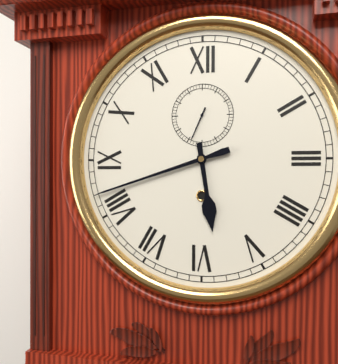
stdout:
5,42
